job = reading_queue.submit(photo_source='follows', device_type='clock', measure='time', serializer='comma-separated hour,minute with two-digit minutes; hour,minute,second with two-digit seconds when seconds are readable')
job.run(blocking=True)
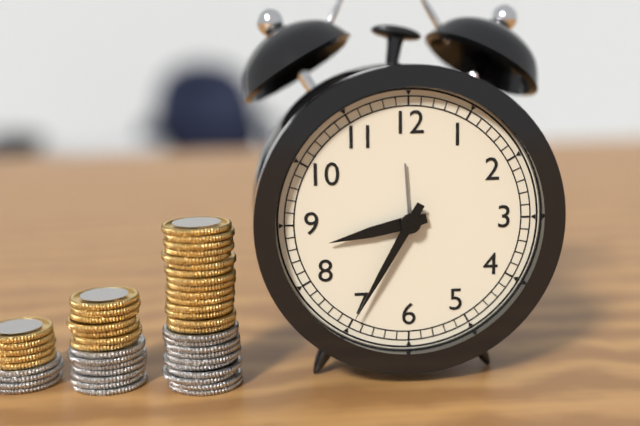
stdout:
8,35
